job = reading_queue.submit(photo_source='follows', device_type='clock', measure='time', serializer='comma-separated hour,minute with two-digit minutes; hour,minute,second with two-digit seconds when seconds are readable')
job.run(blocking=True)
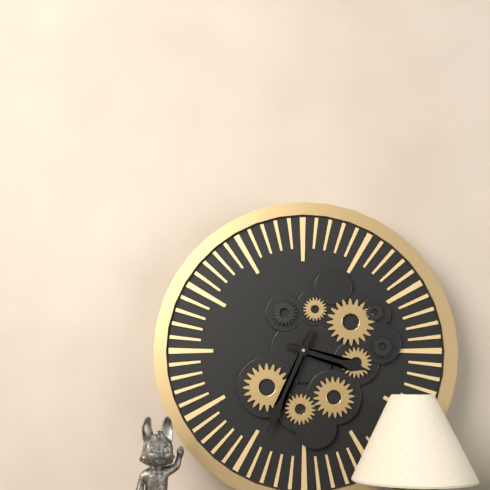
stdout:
3,34
